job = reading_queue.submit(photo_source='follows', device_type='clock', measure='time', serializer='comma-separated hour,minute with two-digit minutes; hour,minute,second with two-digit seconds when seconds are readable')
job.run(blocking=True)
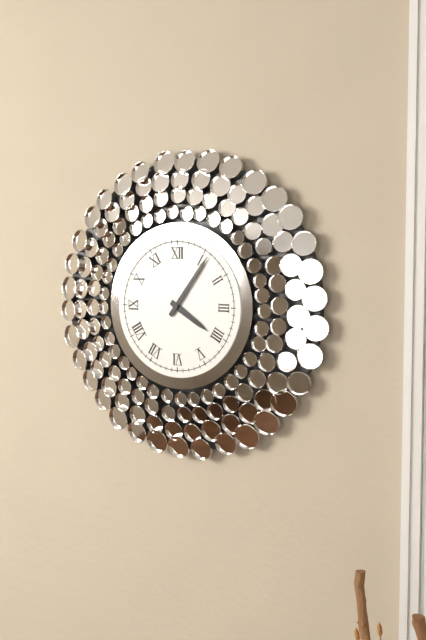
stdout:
4,06
